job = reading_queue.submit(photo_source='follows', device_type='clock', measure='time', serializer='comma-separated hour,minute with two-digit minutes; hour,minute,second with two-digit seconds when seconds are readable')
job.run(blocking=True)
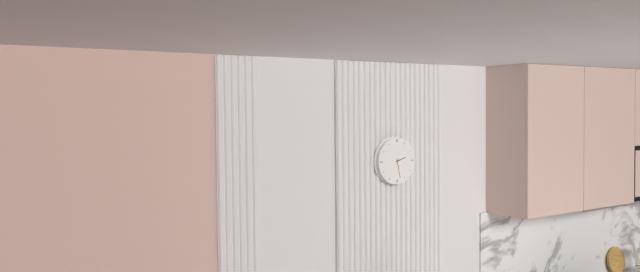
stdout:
2,28
